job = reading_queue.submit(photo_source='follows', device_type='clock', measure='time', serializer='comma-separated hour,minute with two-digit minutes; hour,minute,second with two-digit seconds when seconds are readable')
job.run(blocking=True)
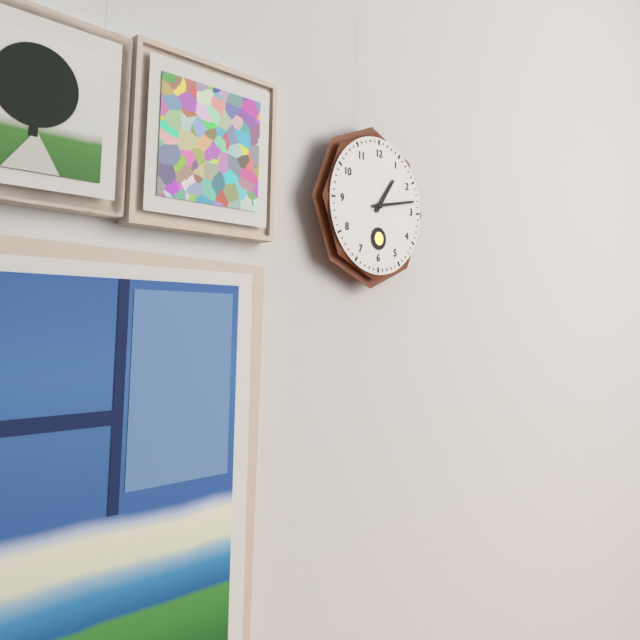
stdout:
1,13
